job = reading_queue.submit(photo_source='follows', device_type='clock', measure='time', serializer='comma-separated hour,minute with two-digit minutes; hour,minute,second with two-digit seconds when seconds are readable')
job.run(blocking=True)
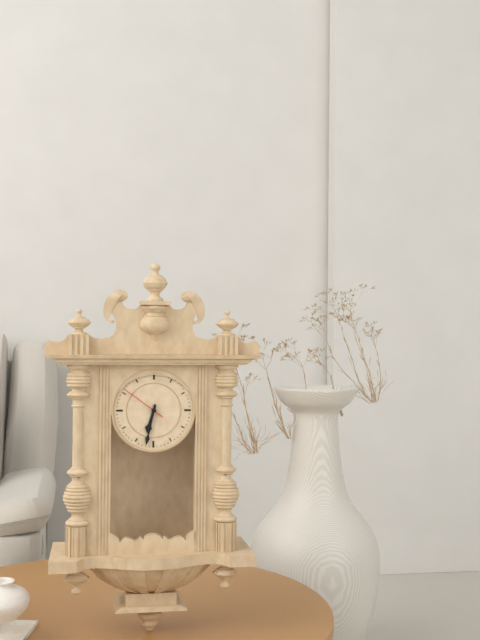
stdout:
6,32
